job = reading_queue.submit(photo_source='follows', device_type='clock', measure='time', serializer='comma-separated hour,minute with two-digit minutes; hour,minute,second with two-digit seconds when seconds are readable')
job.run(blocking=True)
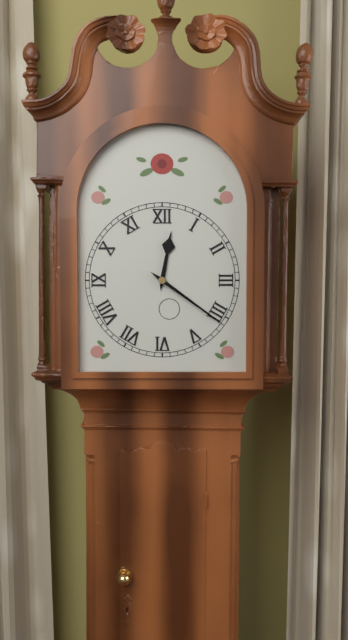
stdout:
12,21
